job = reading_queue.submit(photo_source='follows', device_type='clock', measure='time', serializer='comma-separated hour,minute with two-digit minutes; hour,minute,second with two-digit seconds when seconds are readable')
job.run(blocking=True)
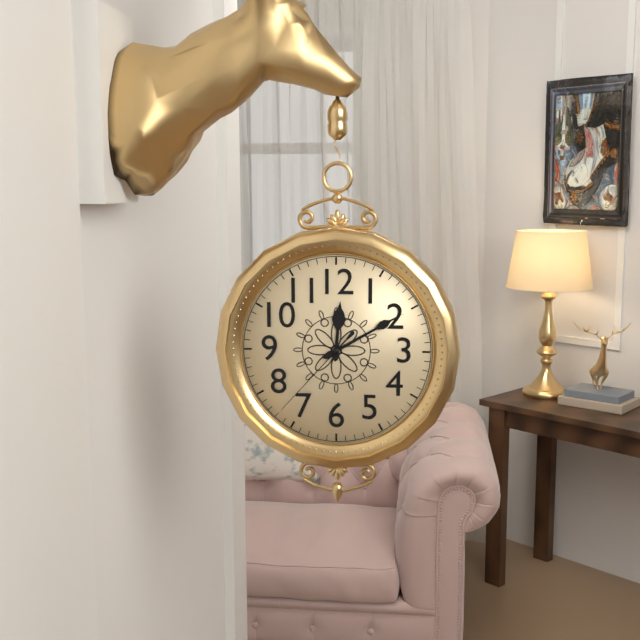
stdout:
12,10,37
